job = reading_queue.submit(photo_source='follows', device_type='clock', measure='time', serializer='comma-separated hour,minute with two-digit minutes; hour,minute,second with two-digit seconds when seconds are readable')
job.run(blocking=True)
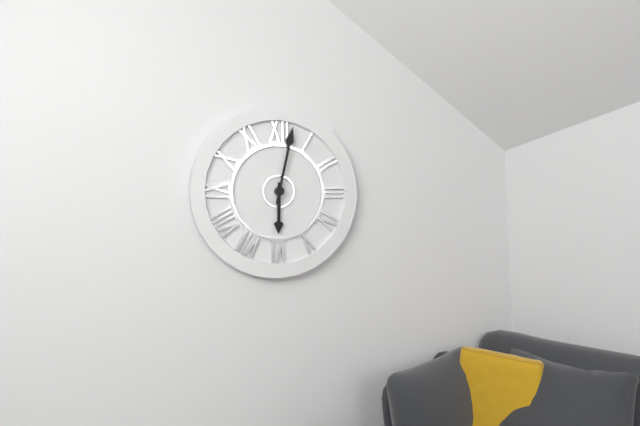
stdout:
6,02
